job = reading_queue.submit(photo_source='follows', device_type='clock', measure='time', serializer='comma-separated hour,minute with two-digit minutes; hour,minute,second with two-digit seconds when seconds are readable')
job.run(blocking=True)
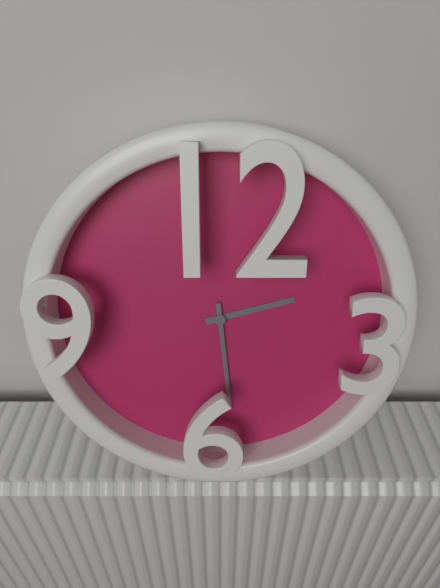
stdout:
2,29
